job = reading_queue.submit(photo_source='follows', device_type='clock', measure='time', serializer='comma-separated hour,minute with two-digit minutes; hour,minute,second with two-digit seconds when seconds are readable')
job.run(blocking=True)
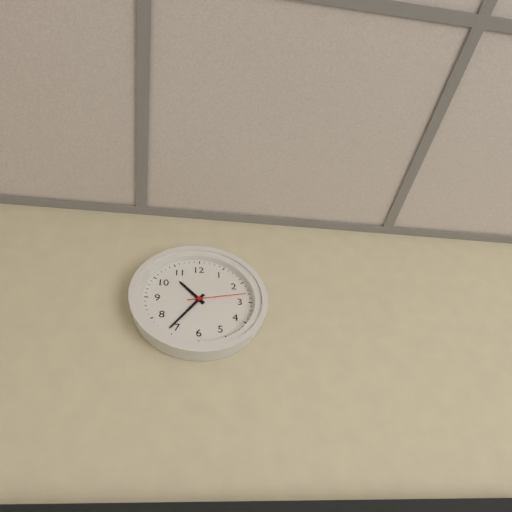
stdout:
10,36,13
